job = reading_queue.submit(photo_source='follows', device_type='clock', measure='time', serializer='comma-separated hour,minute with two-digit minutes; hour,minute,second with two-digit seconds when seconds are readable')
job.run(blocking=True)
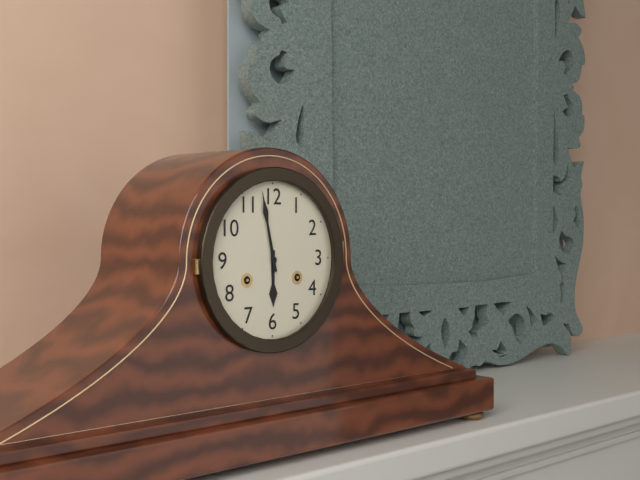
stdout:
5,58
